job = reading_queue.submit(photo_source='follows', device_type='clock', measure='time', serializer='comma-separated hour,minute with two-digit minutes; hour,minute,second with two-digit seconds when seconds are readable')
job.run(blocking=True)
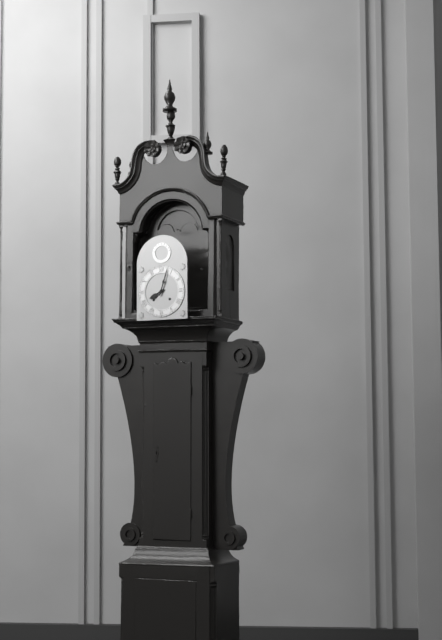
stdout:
8,03
